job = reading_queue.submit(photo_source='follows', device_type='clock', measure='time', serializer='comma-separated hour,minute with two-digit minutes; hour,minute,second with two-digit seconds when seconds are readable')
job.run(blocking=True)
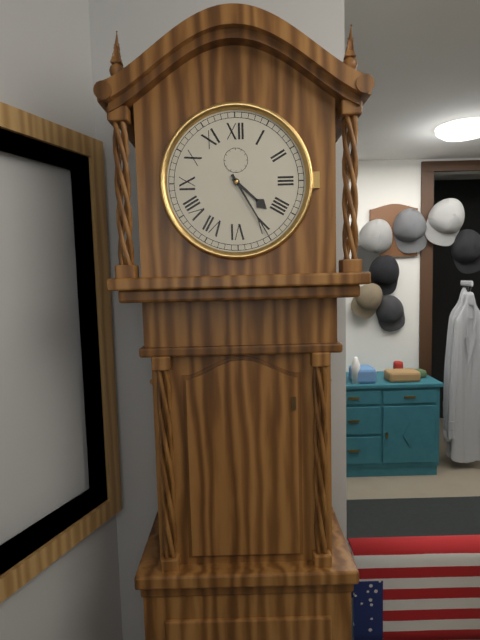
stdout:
4,25
